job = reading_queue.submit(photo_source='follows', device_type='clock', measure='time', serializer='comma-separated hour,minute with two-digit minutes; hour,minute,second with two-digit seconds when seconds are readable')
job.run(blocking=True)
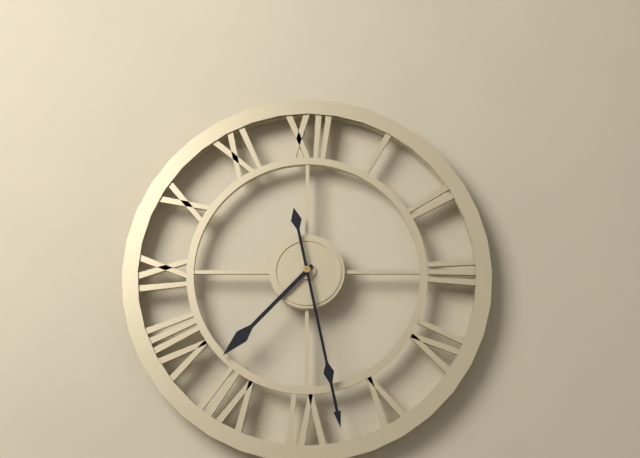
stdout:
7,28
